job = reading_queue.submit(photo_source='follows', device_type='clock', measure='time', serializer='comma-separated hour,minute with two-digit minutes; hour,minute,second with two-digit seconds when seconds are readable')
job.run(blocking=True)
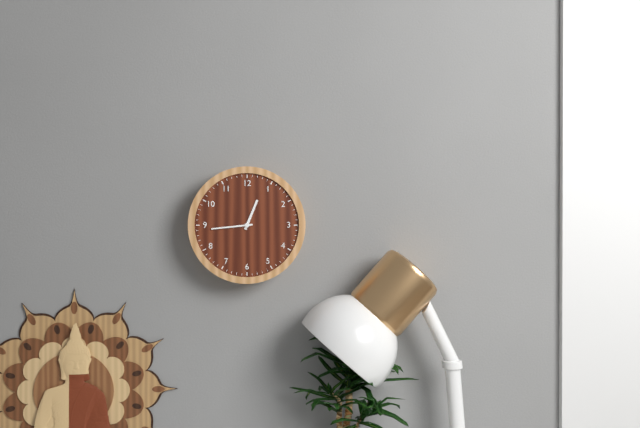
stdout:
12,44
